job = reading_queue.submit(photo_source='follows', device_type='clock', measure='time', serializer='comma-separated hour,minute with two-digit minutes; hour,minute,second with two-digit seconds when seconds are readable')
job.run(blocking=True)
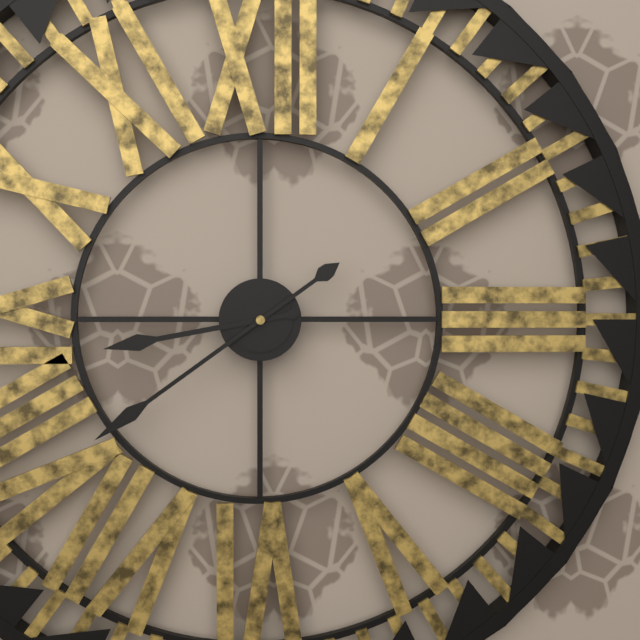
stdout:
8,39
